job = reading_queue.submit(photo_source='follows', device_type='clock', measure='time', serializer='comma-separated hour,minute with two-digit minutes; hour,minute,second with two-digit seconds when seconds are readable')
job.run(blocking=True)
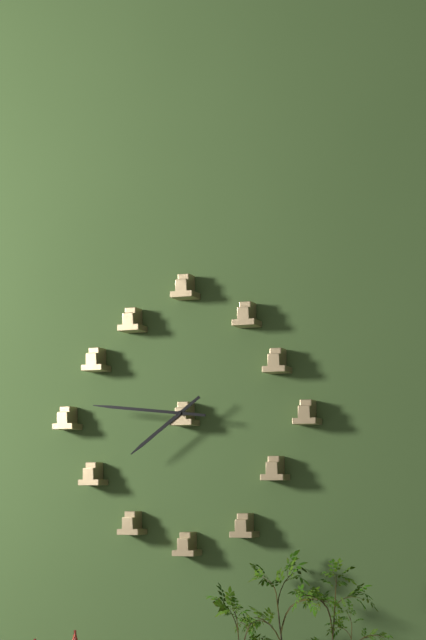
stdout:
7,46
